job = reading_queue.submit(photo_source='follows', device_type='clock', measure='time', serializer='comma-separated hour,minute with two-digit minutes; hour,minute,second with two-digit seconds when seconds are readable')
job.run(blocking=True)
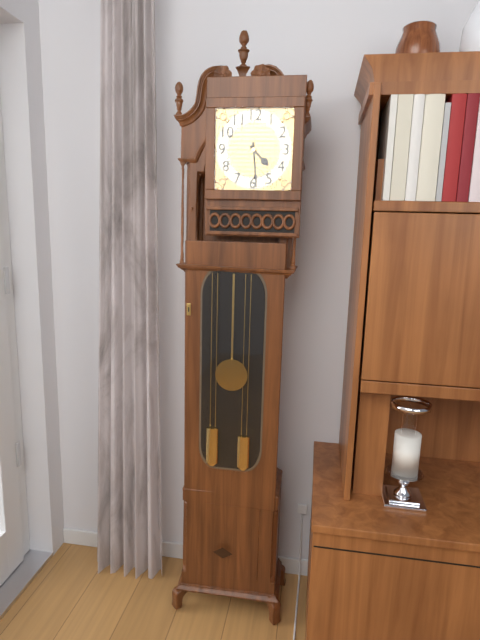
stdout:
4,29
